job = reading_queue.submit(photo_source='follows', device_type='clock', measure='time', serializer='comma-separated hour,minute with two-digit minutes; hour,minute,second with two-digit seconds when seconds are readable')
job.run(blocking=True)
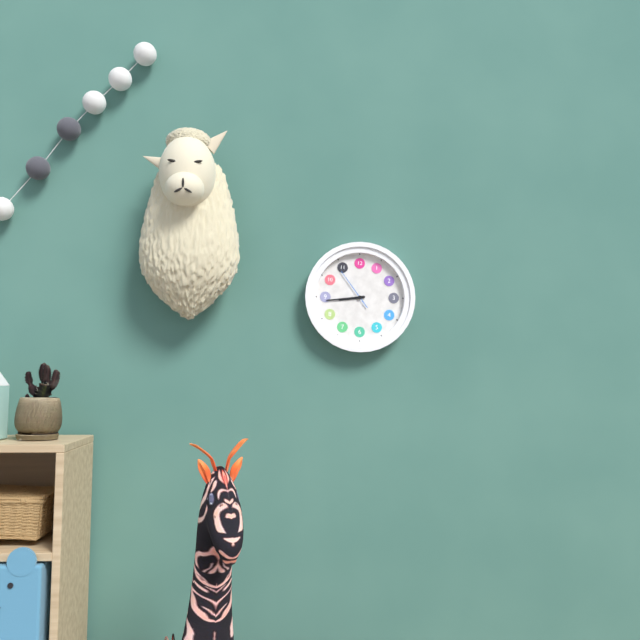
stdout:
8,44
